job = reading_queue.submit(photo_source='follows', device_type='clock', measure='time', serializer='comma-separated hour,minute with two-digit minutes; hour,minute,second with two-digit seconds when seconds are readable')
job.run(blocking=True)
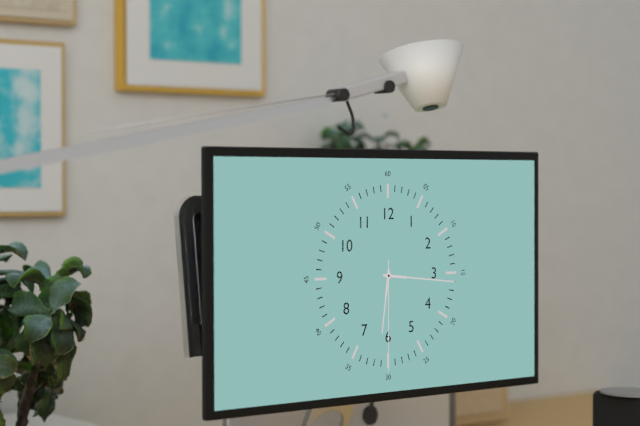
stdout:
6,16,30
